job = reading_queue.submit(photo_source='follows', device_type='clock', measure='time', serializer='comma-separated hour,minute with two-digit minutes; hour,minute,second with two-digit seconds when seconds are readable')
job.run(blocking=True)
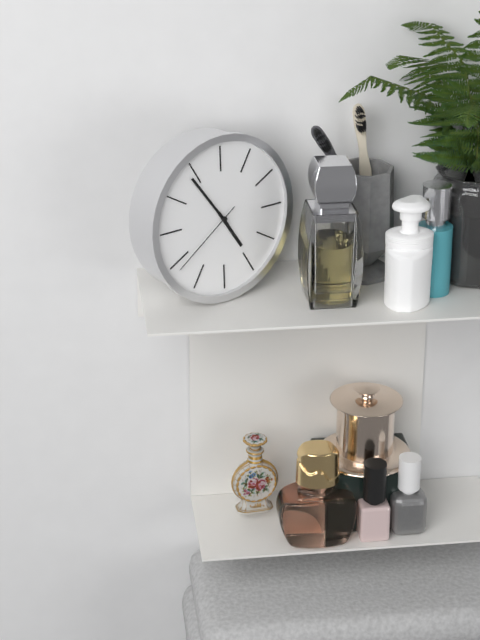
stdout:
4,54,39
